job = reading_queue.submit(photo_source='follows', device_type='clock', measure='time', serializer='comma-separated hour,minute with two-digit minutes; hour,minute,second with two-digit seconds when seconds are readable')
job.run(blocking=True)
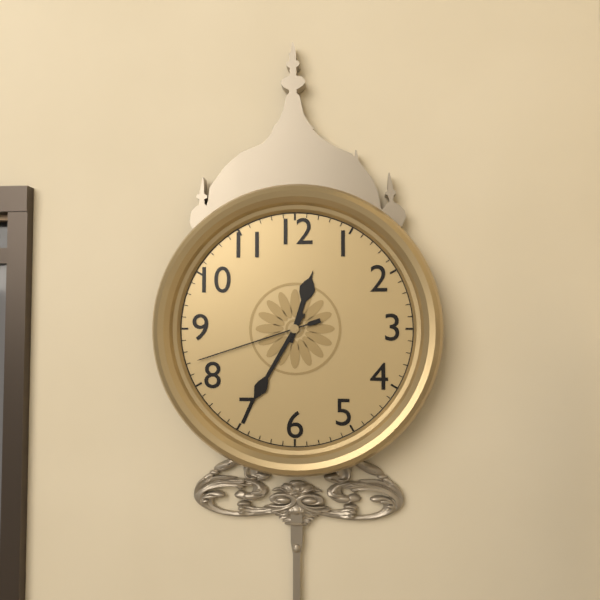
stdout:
12,35,42
